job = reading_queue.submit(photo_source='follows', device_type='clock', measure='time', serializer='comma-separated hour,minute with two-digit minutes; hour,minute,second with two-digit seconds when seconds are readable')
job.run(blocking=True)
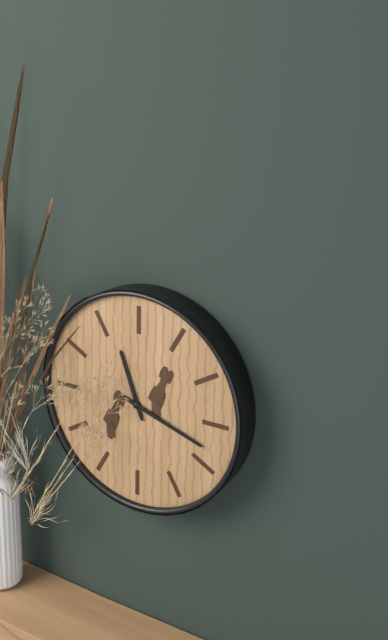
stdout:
11,18
